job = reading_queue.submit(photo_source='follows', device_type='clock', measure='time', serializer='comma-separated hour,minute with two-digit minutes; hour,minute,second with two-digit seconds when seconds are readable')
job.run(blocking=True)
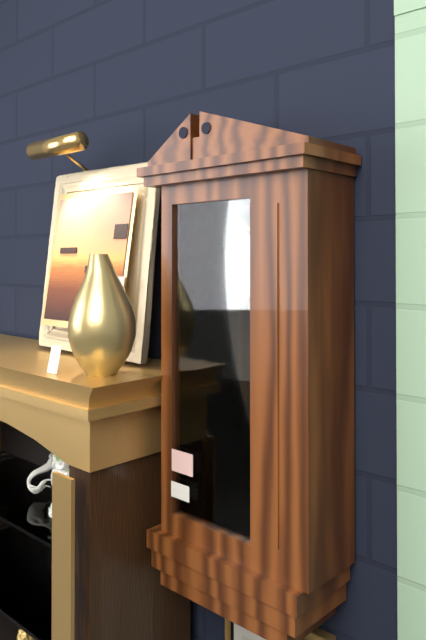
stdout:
10,57
